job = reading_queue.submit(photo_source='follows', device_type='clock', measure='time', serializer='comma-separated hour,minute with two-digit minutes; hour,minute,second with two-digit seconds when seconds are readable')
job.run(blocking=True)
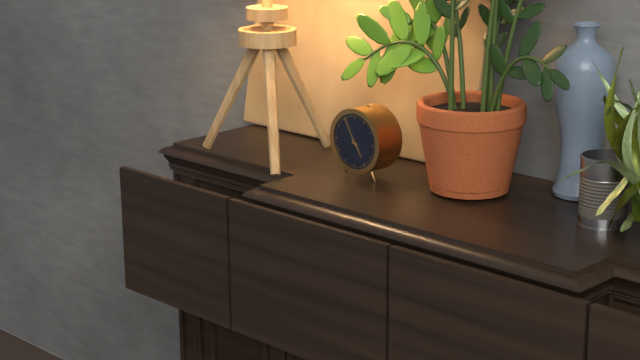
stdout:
4,55
